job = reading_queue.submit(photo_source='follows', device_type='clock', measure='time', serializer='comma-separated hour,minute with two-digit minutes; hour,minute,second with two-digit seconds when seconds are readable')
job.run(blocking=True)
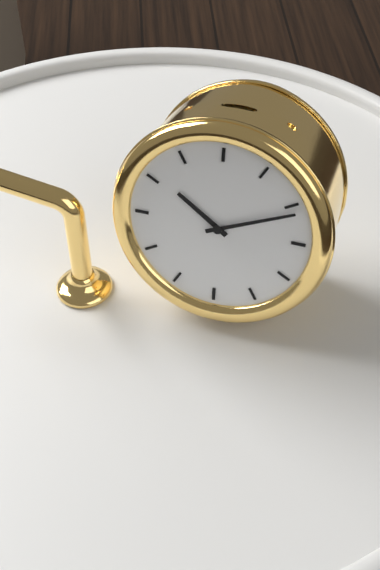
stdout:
10,11
